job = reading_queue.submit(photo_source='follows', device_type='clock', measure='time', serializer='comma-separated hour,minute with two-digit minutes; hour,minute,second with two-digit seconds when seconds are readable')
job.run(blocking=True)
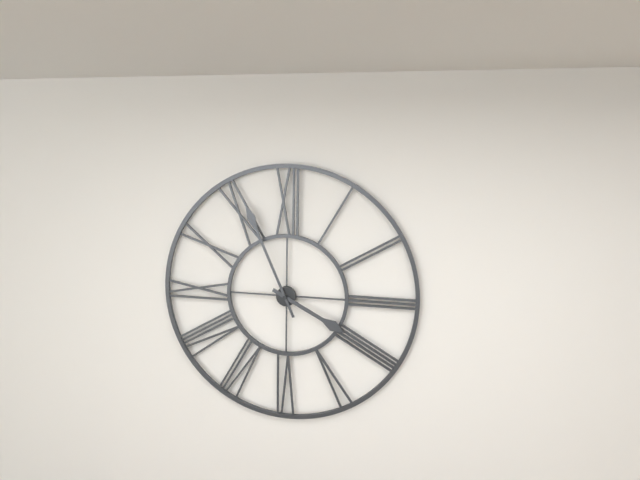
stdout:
3,56
